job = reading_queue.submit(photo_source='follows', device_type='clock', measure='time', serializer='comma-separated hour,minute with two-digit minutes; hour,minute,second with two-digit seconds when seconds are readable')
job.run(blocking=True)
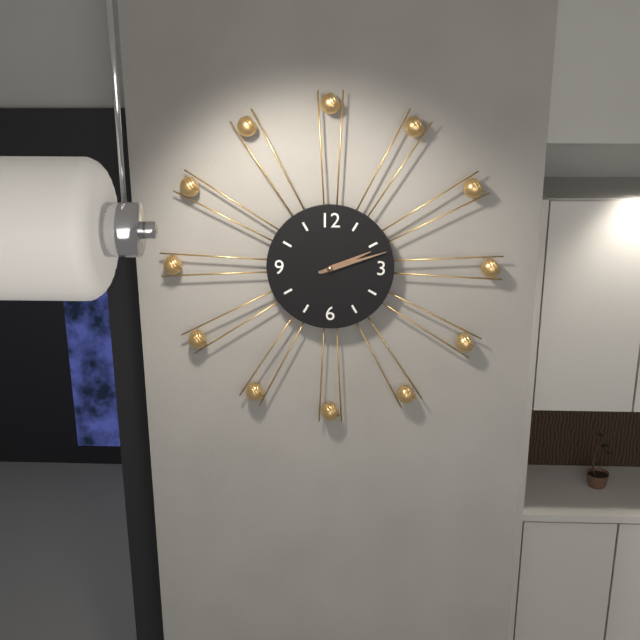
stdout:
2,12
